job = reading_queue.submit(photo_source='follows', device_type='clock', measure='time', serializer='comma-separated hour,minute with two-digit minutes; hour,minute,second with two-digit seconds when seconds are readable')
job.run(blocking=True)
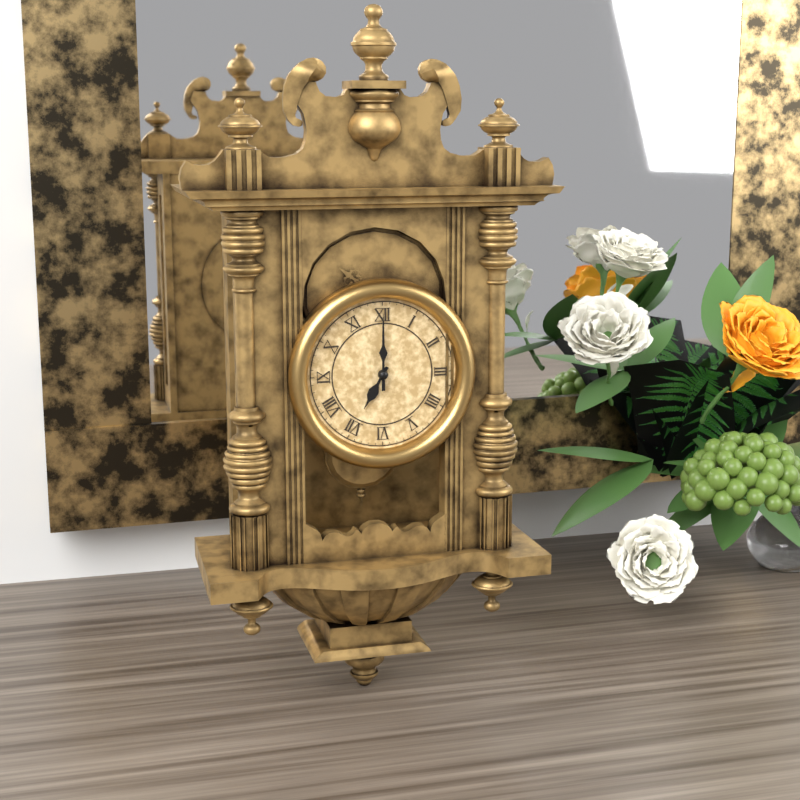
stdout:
7,00
